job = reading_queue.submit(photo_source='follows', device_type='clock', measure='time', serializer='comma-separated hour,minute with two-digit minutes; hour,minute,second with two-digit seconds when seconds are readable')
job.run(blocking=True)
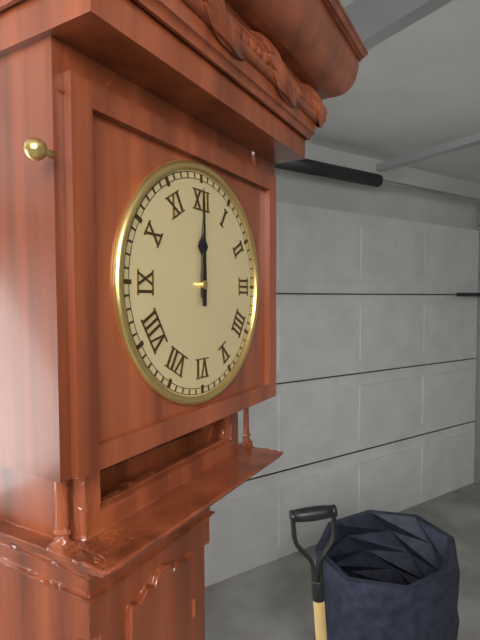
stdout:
12,00
